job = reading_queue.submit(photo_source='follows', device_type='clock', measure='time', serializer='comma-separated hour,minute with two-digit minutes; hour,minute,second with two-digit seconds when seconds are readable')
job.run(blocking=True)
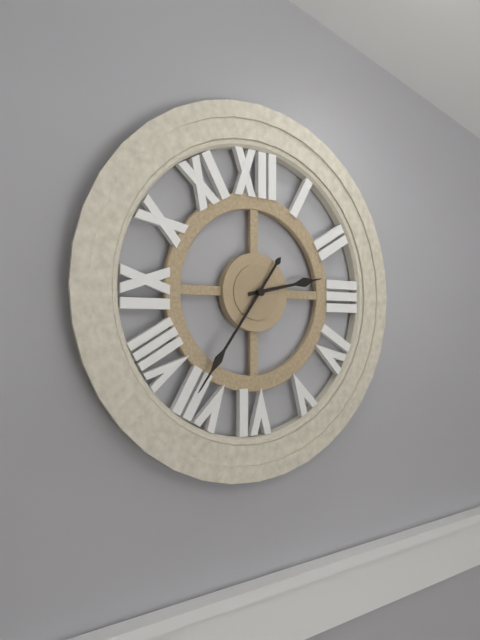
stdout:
2,36
